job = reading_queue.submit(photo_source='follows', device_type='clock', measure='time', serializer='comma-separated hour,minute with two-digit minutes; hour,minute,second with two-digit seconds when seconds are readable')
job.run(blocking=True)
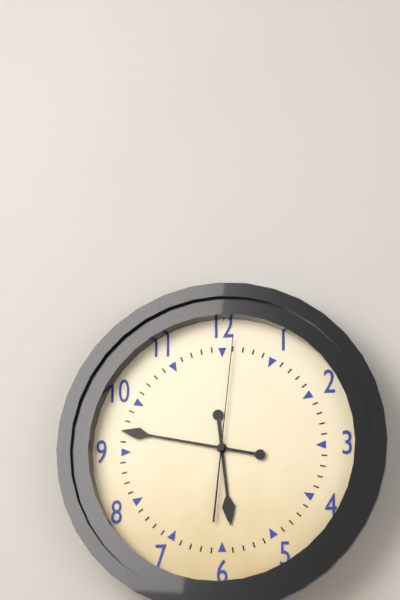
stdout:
5,47,01
